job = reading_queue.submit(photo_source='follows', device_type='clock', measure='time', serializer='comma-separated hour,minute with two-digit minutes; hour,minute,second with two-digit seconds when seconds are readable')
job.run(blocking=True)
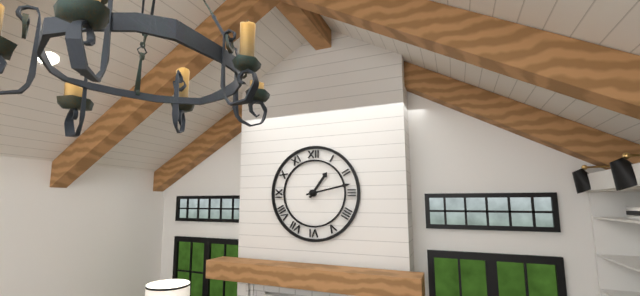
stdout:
1,13
